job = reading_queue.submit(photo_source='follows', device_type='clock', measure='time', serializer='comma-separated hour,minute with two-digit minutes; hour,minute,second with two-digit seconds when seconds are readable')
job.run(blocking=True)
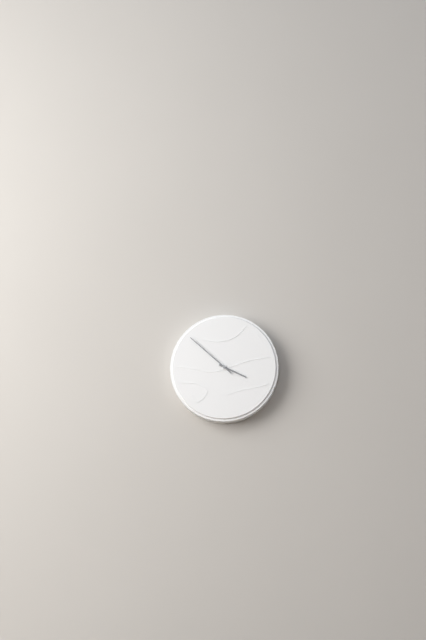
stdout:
3,52
